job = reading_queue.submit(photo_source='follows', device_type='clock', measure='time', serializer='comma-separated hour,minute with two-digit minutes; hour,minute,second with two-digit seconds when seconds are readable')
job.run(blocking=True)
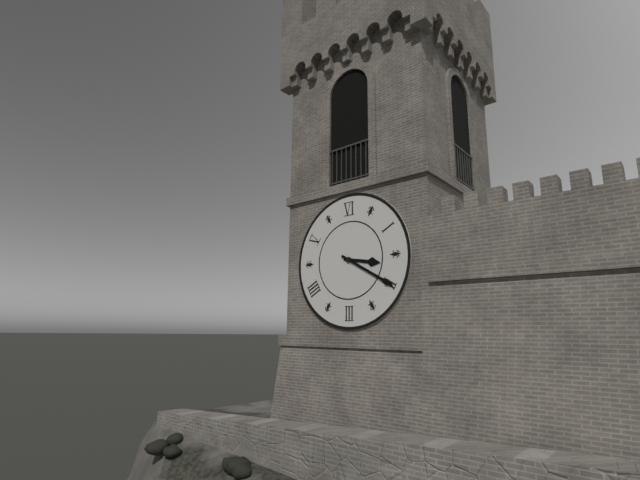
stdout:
3,20
